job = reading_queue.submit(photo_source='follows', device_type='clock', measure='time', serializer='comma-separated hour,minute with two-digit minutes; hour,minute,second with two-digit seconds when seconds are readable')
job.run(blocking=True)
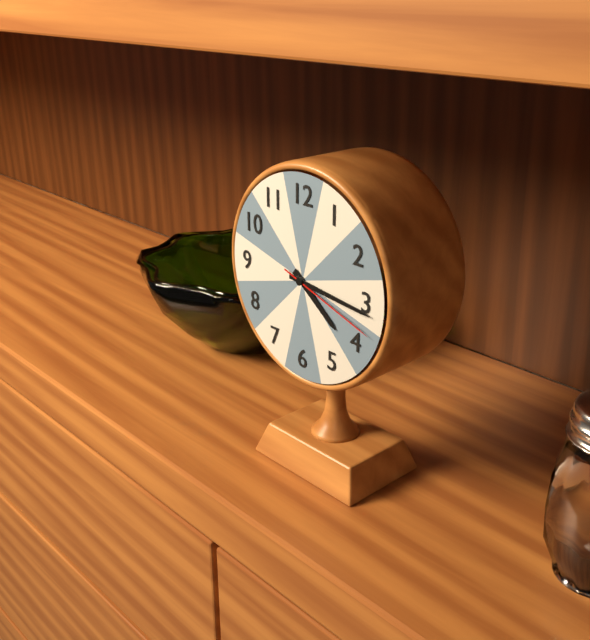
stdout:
4,16,18
